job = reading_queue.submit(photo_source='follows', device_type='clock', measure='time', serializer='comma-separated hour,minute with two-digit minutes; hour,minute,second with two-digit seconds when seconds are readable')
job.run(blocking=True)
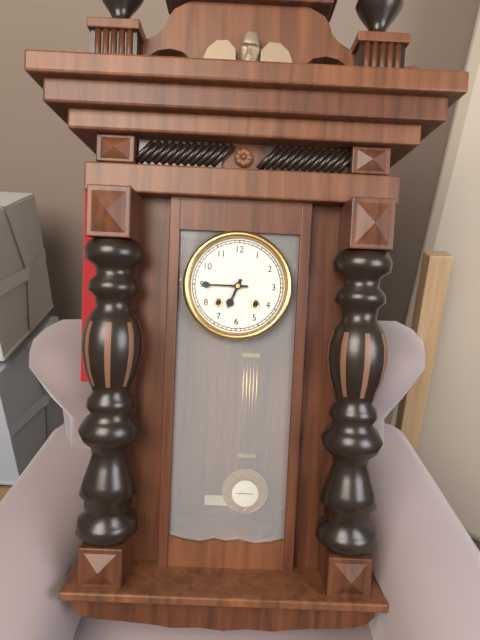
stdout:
6,45
